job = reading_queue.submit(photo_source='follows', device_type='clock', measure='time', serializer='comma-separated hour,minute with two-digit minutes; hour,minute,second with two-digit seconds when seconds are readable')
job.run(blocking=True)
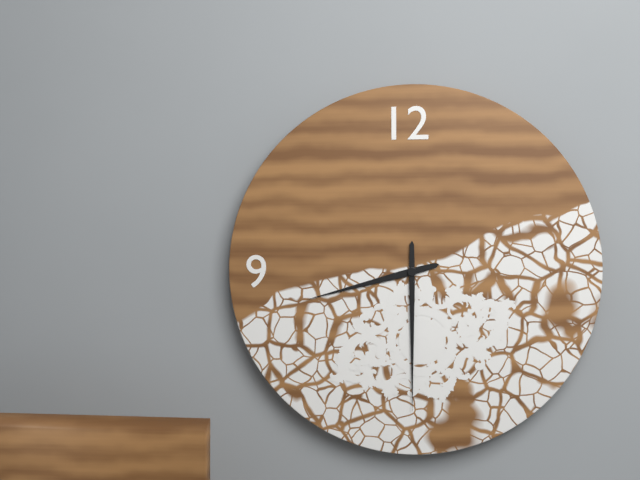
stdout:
8,30
